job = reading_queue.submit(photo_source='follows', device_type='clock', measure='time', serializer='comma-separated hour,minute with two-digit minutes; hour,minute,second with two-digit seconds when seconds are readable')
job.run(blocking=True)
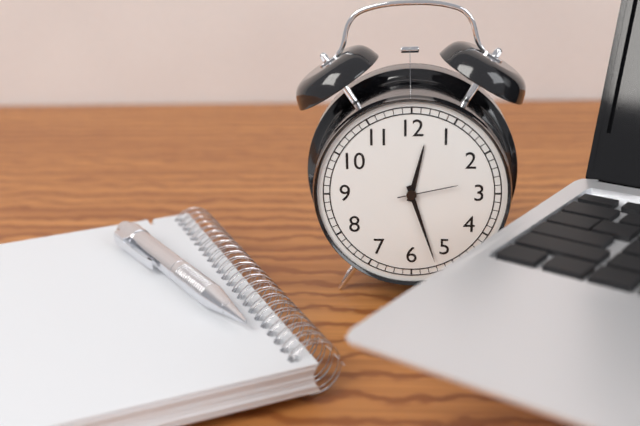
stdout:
12,27,13
